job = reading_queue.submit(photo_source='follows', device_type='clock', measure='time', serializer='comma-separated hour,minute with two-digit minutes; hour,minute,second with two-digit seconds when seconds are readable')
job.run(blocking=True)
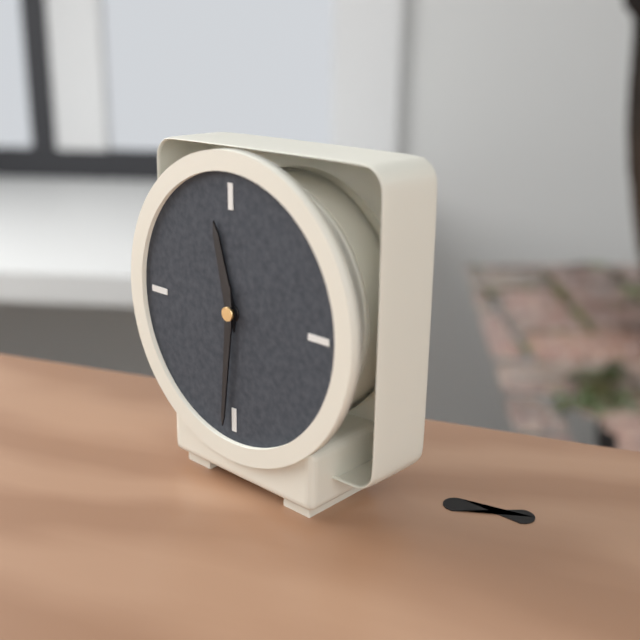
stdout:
11,31
